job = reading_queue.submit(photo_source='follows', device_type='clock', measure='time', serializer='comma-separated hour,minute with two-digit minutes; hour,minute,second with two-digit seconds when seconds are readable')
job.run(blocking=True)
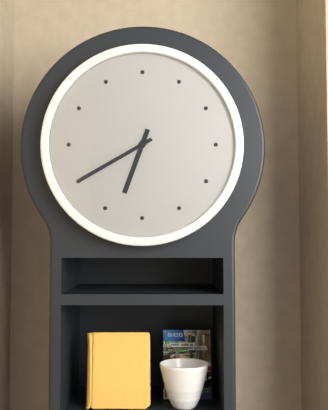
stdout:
6,40
